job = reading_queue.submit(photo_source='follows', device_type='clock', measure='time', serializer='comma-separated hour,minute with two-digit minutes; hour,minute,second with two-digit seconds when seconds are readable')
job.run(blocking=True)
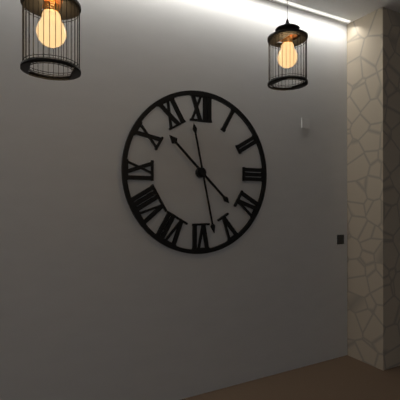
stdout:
10,28
